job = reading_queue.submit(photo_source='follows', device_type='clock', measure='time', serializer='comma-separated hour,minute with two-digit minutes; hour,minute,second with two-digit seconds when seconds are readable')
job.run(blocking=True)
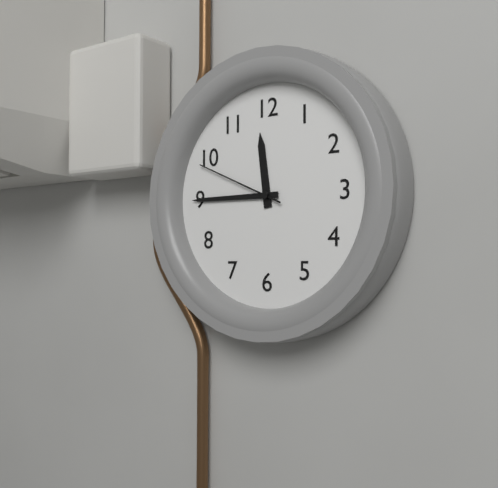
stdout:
11,45,49
